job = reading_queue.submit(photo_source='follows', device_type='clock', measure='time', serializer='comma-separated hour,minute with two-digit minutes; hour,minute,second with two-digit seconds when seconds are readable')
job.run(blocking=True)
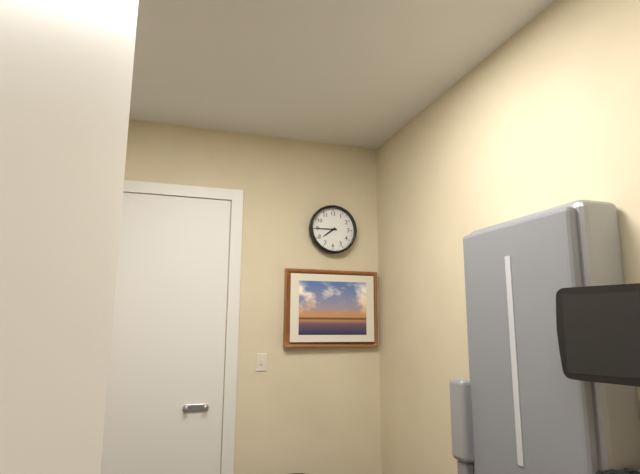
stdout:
7,45
